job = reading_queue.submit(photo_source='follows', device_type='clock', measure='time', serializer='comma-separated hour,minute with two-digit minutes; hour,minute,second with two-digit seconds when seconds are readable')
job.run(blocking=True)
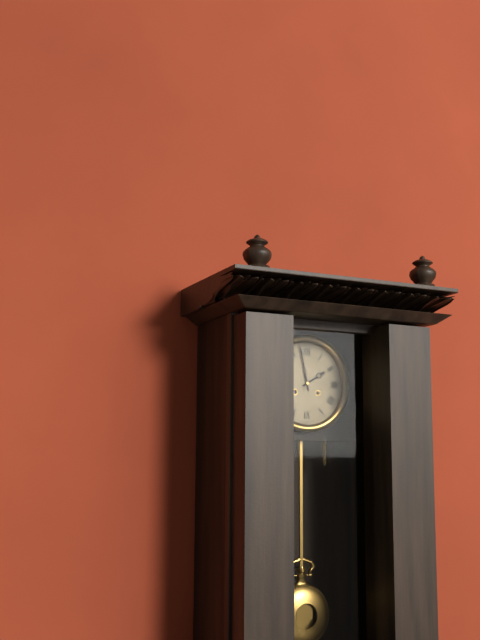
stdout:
1,58
